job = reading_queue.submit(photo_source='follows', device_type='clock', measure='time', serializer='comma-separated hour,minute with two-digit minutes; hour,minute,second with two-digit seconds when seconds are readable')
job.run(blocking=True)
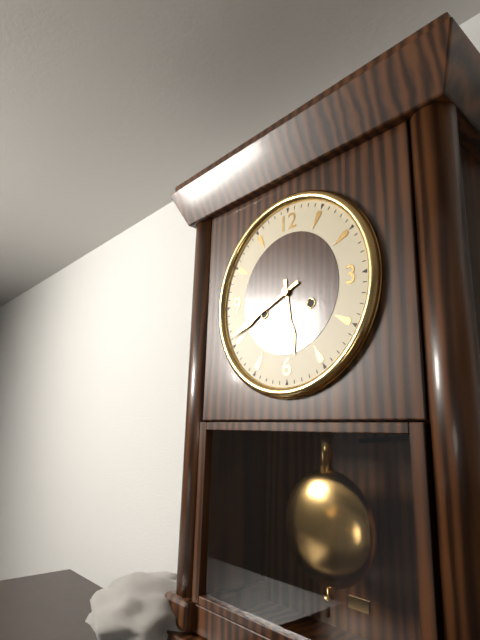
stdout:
5,41
